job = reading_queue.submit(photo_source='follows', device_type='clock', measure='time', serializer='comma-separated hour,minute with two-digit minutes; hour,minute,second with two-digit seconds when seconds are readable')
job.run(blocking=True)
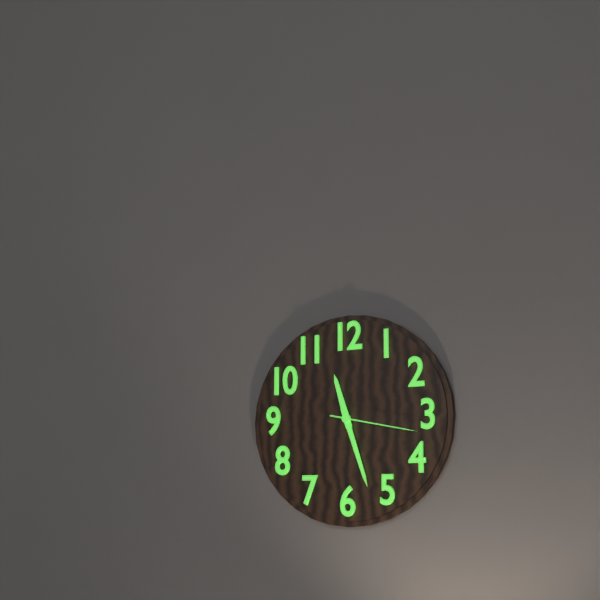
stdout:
11,27,17
